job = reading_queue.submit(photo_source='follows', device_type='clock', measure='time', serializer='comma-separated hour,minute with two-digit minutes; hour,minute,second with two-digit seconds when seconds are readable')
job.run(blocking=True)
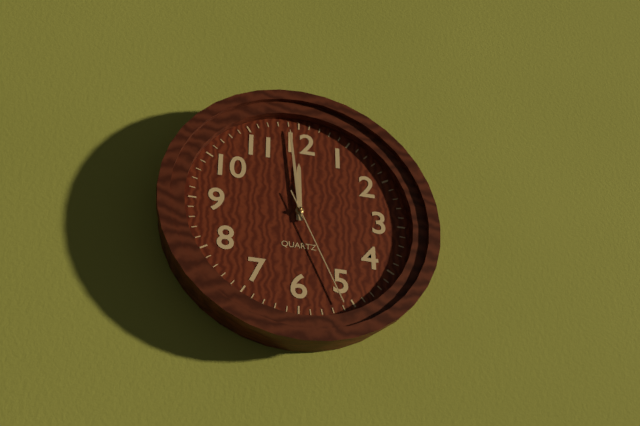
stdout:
11,59,26
